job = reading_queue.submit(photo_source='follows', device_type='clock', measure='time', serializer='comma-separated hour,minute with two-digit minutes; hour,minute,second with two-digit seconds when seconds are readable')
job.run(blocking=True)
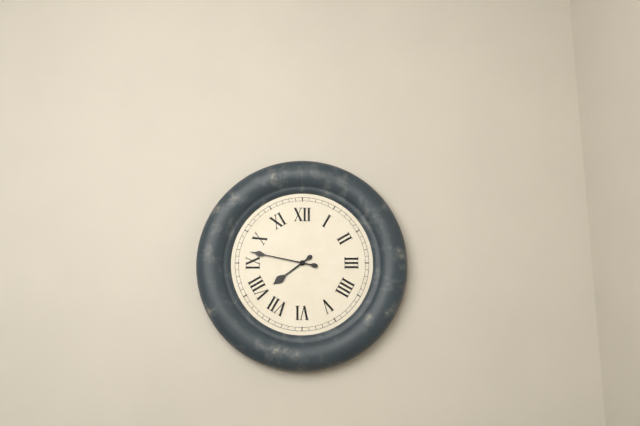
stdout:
7,47
